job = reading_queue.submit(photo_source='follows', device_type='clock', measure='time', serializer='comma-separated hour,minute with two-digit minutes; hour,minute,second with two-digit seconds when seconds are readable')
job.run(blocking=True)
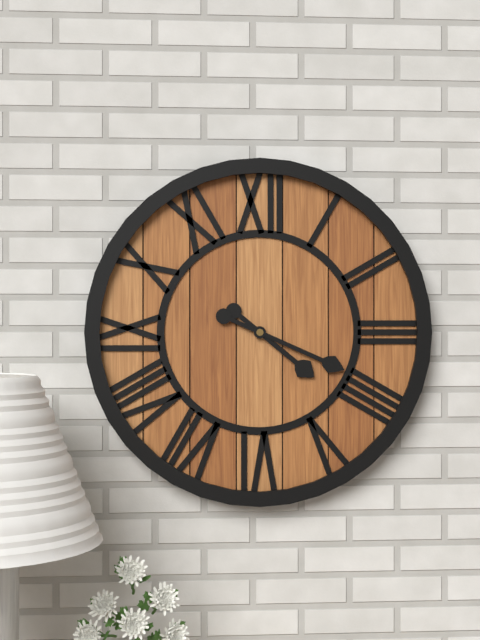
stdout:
4,19
